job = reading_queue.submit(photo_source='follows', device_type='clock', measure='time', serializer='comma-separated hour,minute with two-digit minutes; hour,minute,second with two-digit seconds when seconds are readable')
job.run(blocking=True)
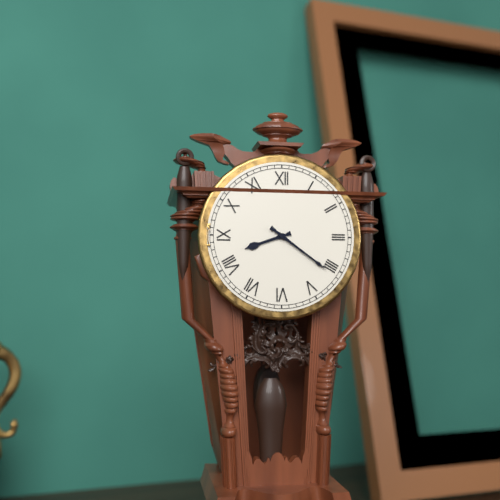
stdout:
8,21
